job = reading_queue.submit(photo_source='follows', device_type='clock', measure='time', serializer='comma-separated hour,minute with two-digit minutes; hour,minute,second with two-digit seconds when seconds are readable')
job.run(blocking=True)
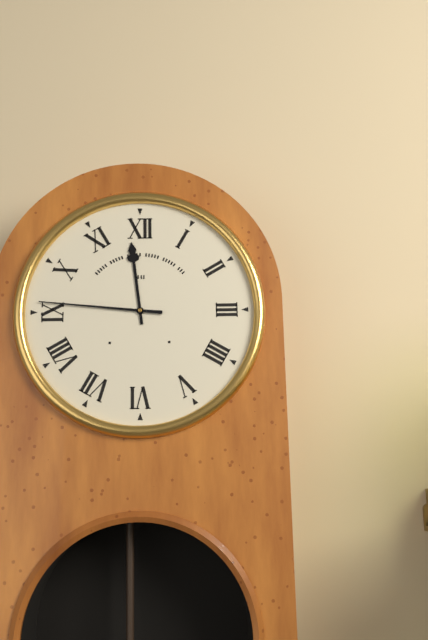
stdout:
11,46
